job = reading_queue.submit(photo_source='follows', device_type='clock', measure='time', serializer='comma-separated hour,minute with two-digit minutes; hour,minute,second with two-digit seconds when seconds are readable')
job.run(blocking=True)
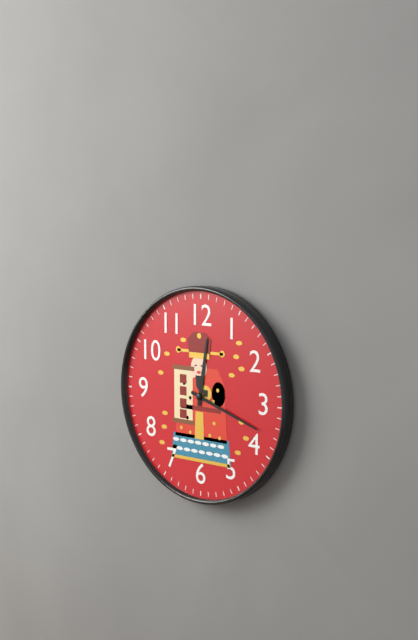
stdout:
12,18
